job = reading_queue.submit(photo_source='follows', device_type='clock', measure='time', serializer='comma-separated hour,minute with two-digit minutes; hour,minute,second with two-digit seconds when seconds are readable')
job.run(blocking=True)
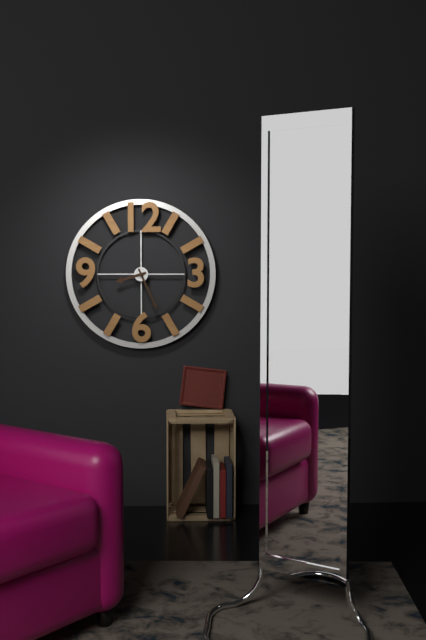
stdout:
8,26
